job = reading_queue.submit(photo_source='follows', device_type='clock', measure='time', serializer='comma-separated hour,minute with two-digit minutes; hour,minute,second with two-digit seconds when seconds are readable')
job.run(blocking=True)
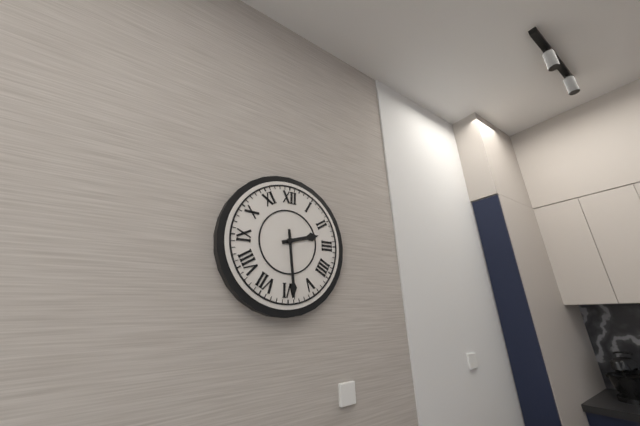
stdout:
2,29
